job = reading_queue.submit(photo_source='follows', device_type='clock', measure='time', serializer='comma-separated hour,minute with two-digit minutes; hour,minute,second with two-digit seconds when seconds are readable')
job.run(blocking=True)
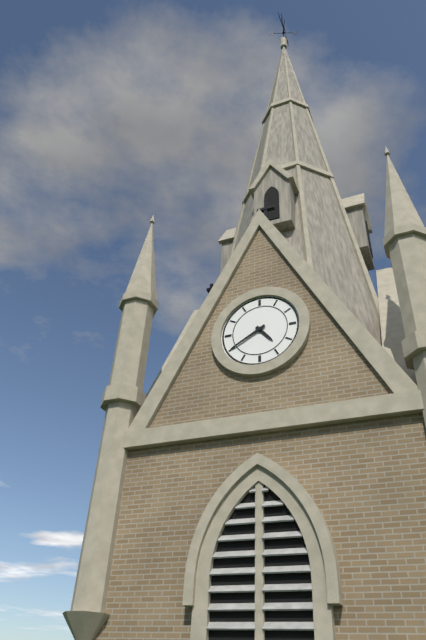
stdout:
4,40
